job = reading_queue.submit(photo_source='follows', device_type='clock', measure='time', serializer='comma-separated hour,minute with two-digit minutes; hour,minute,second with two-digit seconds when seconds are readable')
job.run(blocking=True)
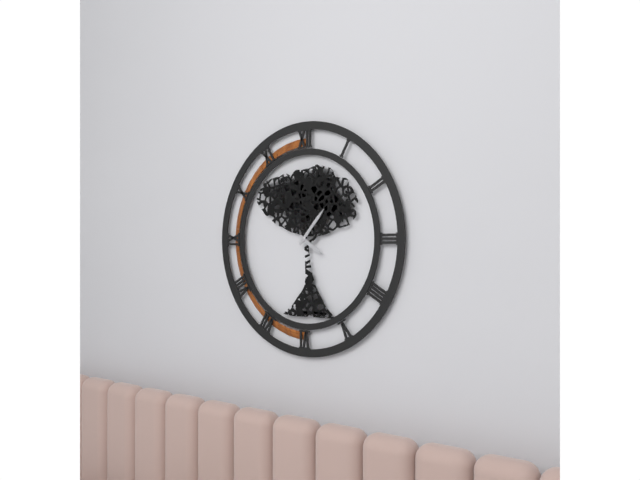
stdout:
4,07
